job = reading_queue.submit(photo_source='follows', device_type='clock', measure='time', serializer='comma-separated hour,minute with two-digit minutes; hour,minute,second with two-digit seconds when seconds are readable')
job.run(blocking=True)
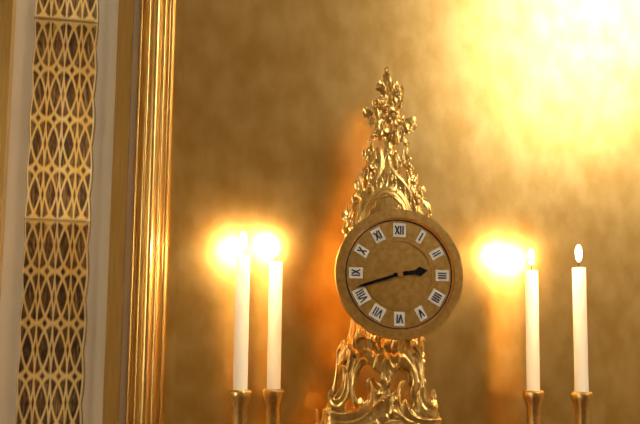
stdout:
2,42
